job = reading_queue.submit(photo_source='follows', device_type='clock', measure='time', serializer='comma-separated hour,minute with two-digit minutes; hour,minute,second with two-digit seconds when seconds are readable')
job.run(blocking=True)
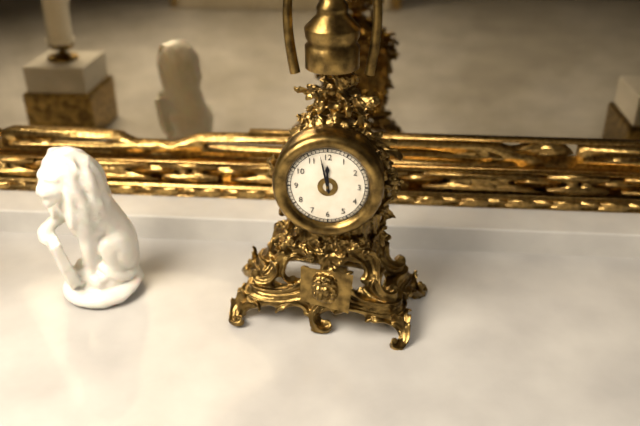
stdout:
11,58
